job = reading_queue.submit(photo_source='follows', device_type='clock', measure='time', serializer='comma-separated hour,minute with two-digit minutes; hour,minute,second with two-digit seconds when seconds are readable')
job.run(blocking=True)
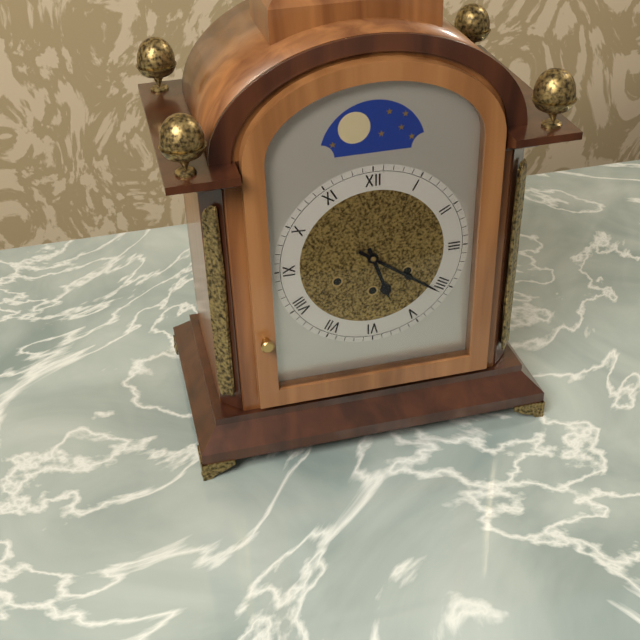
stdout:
5,21
